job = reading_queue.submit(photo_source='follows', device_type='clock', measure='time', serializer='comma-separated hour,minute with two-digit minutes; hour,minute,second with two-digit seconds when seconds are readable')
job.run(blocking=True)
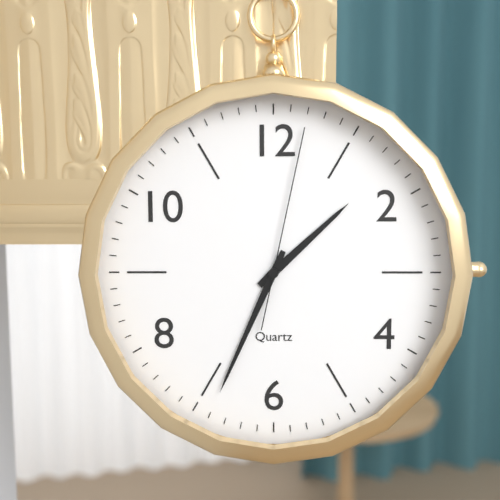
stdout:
1,34,02
